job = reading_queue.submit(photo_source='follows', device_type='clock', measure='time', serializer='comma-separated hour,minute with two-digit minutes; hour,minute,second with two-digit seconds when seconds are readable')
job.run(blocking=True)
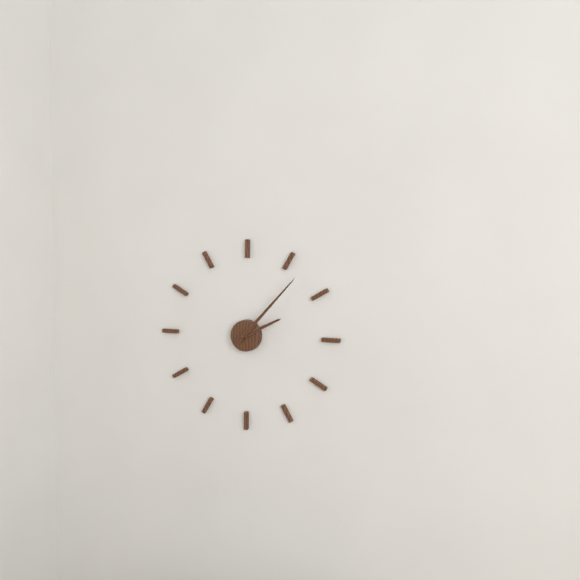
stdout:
2,07
